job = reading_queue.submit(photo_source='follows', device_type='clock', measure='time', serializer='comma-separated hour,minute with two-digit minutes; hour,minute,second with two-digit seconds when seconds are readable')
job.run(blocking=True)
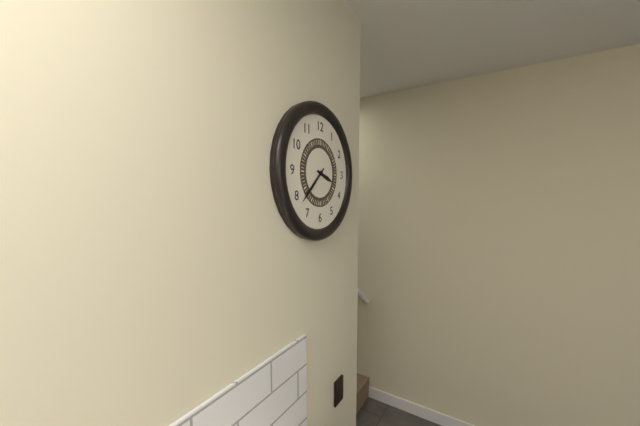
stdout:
3,38
